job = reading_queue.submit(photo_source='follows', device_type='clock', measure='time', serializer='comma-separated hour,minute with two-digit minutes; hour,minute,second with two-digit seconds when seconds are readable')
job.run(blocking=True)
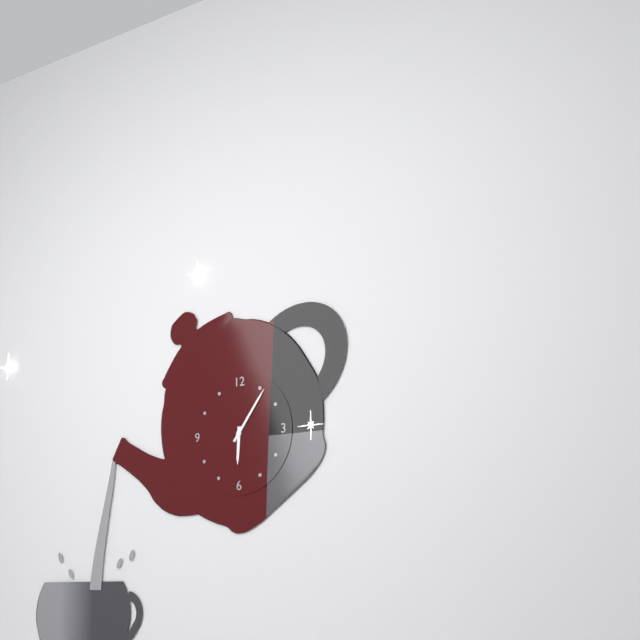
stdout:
6,06
